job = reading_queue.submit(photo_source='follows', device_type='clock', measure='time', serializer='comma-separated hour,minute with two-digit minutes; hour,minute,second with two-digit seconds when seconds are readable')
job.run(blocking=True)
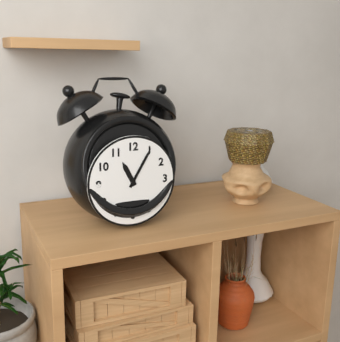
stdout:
11,05
